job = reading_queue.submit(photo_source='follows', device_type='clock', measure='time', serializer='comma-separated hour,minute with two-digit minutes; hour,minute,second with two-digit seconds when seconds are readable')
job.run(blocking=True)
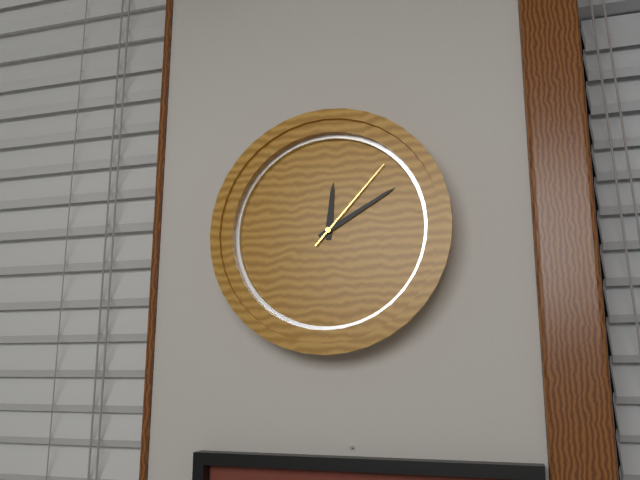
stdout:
12,10,07
